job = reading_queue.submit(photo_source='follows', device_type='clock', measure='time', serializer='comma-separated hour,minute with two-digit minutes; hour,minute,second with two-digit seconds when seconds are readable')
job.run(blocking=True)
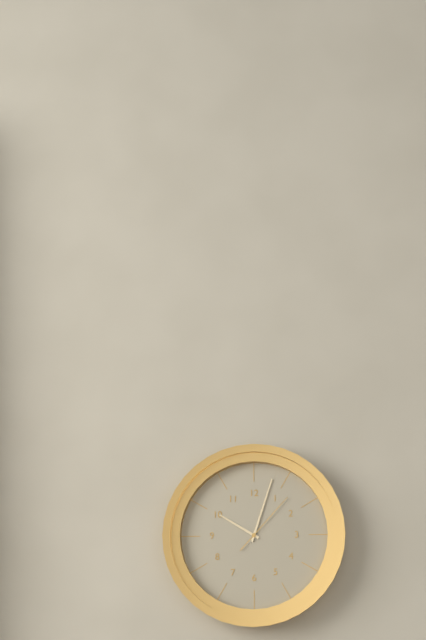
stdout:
10,03,07
